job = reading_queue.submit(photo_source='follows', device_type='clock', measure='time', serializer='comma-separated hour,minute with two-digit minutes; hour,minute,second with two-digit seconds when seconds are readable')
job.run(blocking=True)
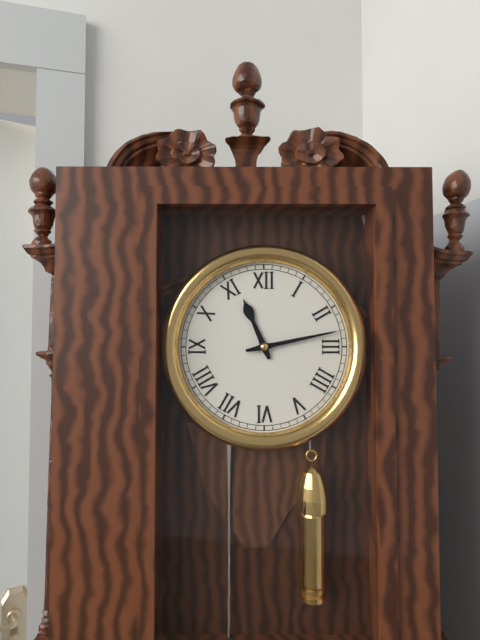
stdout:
11,13
